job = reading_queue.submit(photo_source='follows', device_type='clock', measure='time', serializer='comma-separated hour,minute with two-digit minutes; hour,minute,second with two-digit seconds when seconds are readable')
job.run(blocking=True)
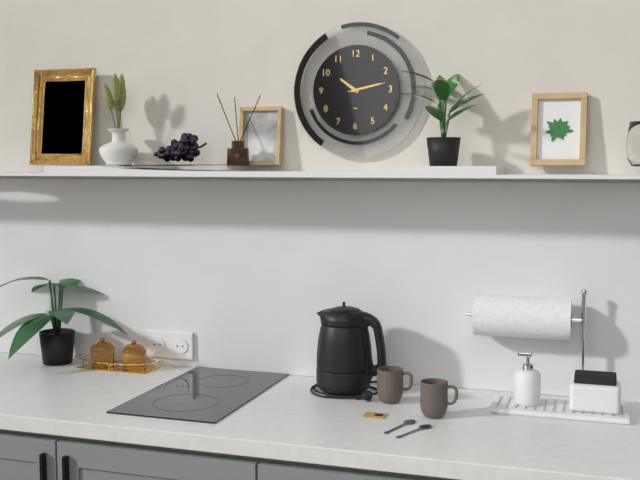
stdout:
10,13
